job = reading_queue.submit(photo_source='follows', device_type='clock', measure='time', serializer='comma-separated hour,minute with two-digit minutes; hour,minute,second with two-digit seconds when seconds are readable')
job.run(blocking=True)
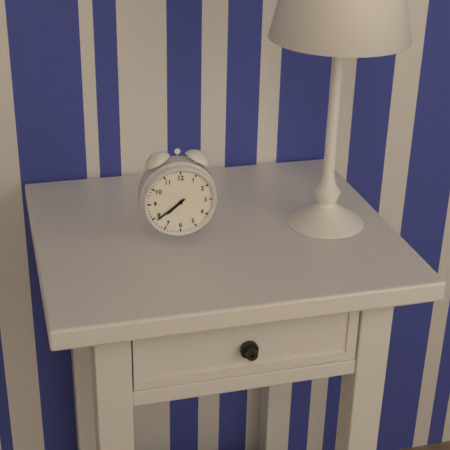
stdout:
7,39
